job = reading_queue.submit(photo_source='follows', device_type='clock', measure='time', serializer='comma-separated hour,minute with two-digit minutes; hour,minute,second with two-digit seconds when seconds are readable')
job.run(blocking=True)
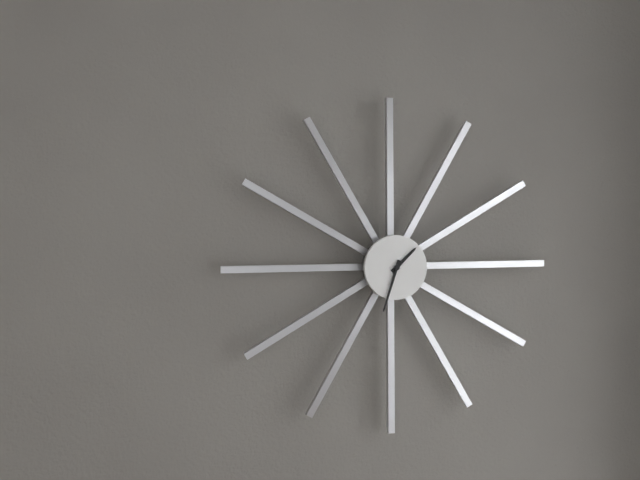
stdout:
1,33
